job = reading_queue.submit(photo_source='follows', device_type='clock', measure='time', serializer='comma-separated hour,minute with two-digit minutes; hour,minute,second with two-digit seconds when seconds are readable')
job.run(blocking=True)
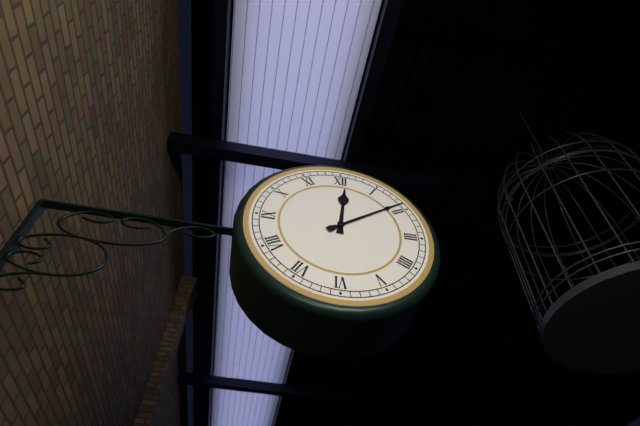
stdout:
12,09
